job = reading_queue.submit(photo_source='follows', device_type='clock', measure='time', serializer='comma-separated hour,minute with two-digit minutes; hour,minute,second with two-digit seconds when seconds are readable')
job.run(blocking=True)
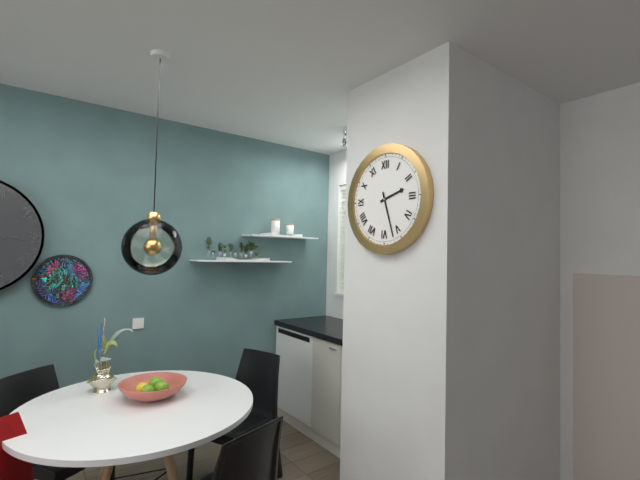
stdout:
2,27
